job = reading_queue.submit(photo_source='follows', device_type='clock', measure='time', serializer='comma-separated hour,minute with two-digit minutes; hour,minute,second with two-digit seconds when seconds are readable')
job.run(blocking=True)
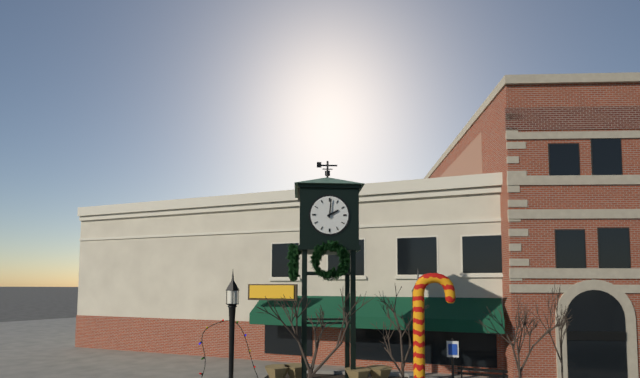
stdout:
2,01
